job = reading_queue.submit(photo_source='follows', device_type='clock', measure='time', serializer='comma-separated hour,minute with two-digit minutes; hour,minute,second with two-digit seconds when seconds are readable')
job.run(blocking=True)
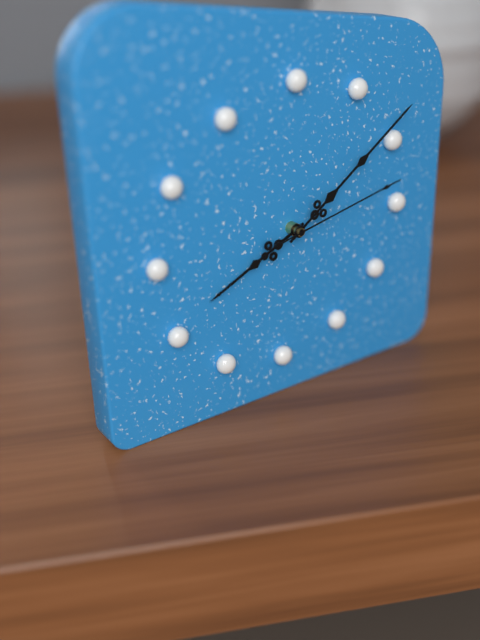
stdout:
8,09,13
